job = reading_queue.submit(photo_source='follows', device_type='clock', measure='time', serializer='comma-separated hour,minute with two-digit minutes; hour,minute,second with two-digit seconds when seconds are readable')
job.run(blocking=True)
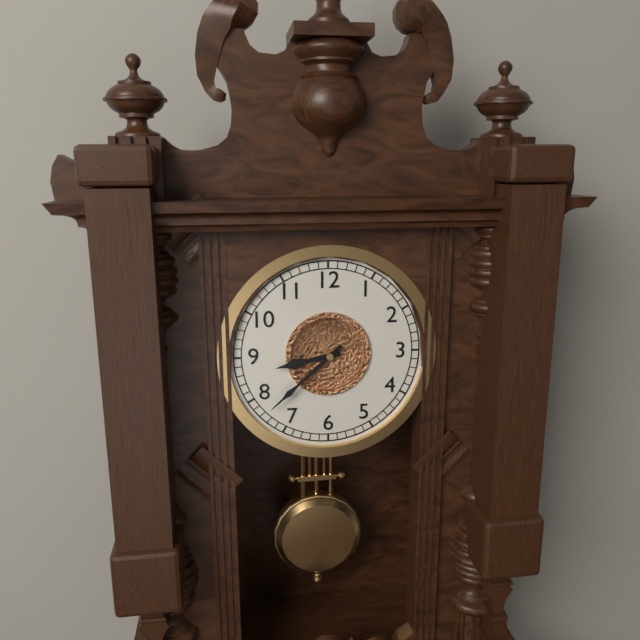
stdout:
8,38
